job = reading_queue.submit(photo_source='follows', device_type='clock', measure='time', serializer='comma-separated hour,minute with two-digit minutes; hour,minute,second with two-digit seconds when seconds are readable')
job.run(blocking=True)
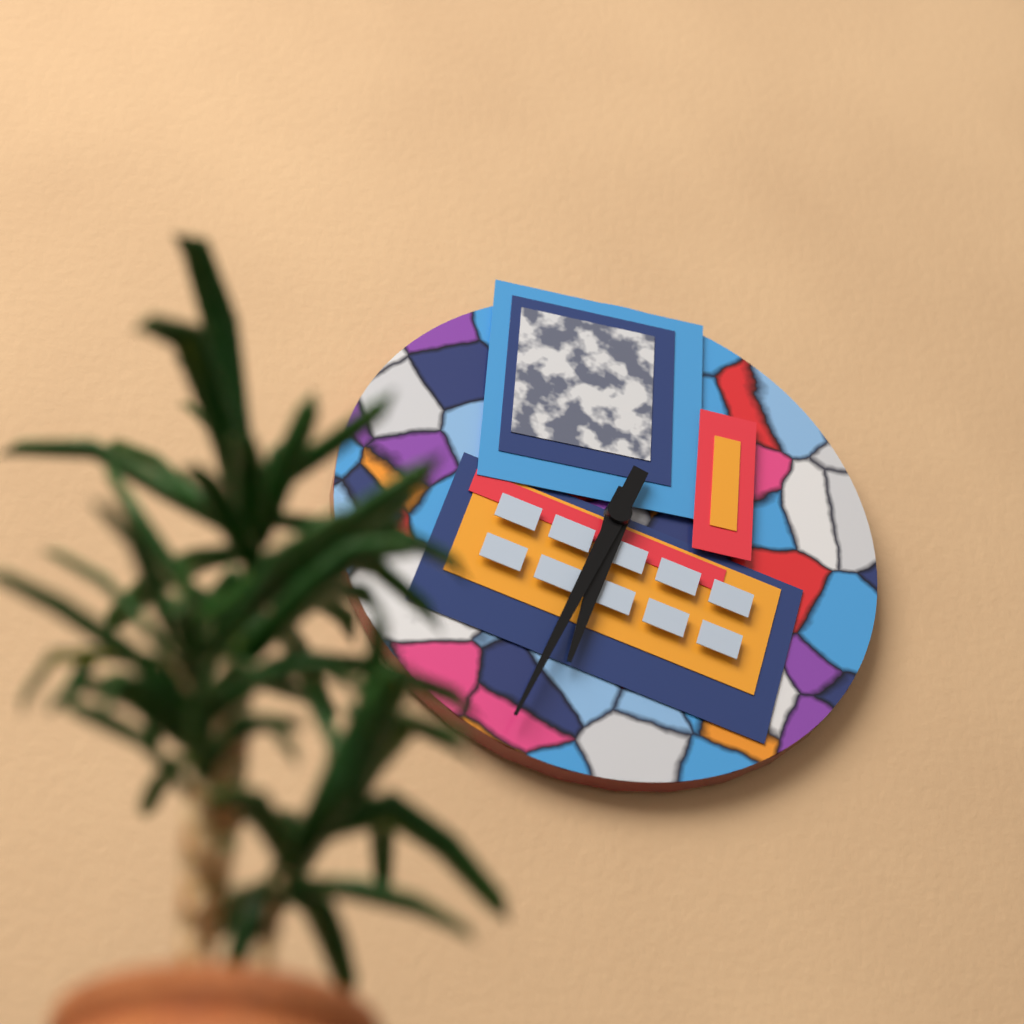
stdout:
6,34
